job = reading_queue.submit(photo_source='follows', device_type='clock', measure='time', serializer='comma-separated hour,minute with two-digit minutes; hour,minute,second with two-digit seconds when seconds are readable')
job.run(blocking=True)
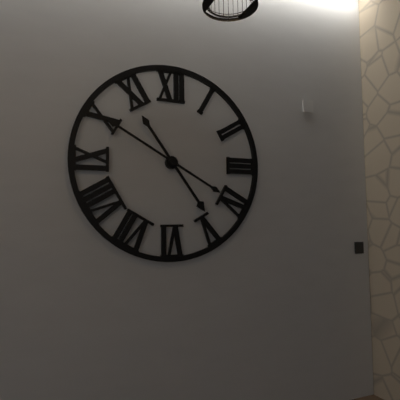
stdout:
4,50
